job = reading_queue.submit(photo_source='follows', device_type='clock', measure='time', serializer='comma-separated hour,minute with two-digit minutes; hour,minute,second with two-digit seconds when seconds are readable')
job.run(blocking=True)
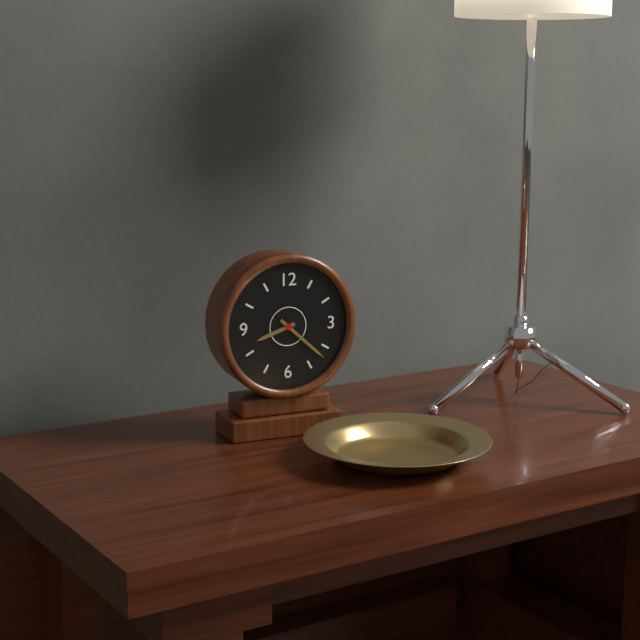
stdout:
8,22
